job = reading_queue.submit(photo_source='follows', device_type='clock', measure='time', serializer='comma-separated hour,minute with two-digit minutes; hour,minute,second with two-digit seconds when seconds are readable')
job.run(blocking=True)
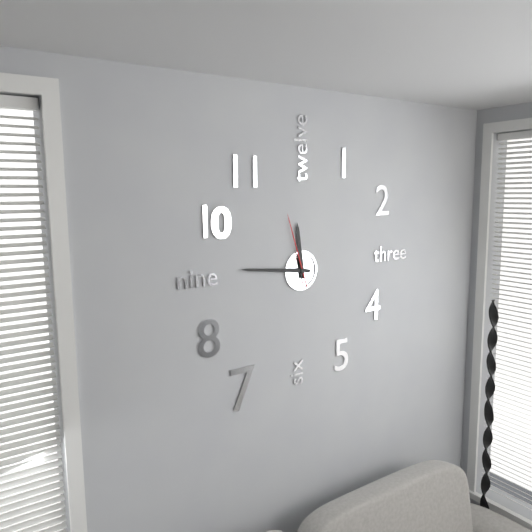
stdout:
11,46,57
